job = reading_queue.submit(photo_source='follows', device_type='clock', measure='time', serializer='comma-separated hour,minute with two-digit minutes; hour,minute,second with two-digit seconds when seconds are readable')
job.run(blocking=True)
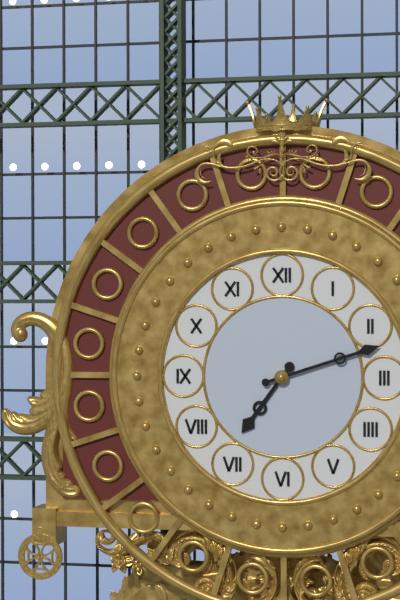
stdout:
7,12
